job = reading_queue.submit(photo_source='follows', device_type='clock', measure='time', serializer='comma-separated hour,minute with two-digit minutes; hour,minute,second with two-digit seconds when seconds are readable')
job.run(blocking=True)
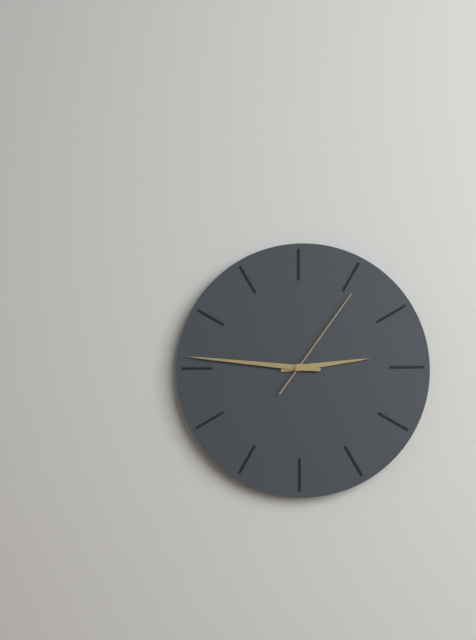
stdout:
2,46,06
